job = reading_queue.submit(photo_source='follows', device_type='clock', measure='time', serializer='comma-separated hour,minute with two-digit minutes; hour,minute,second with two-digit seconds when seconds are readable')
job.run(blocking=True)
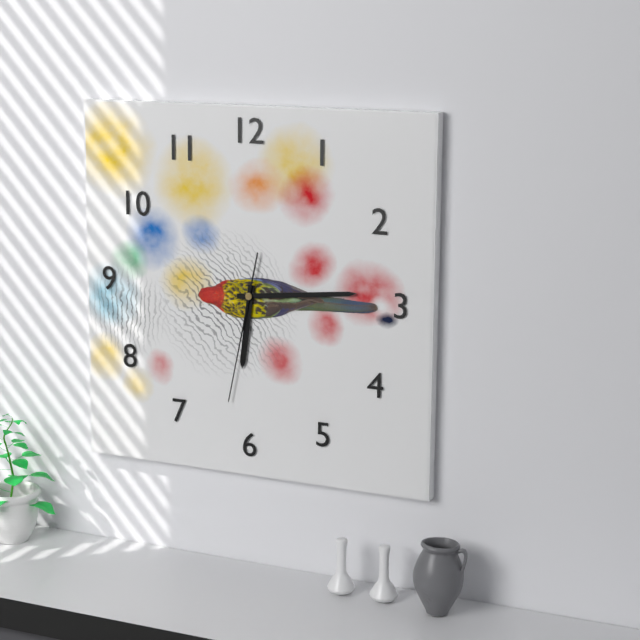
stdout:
6,14,32
